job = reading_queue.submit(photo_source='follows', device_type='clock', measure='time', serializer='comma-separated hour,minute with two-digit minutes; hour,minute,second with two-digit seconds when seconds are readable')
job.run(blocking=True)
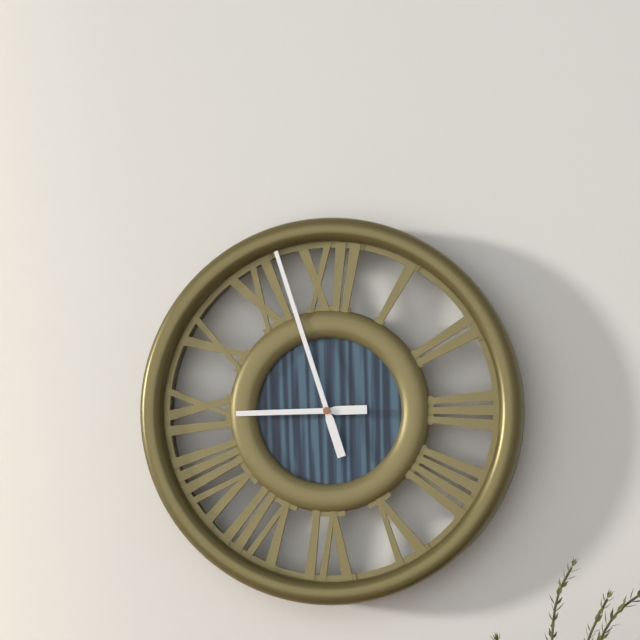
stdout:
8,57
